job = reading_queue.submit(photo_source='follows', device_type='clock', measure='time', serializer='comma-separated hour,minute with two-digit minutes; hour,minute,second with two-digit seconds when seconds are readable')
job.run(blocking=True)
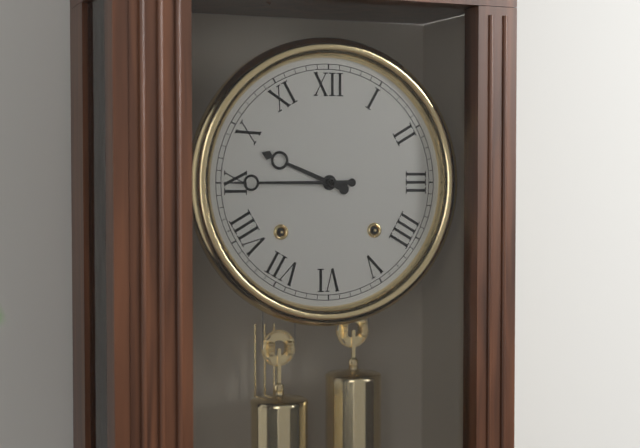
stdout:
9,45
